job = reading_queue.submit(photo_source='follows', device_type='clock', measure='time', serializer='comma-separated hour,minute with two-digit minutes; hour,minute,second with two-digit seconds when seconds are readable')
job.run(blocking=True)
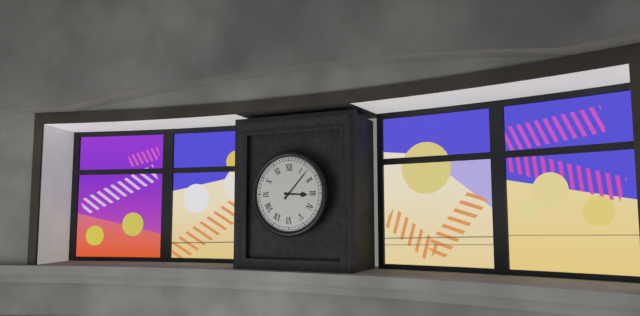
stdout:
3,07
